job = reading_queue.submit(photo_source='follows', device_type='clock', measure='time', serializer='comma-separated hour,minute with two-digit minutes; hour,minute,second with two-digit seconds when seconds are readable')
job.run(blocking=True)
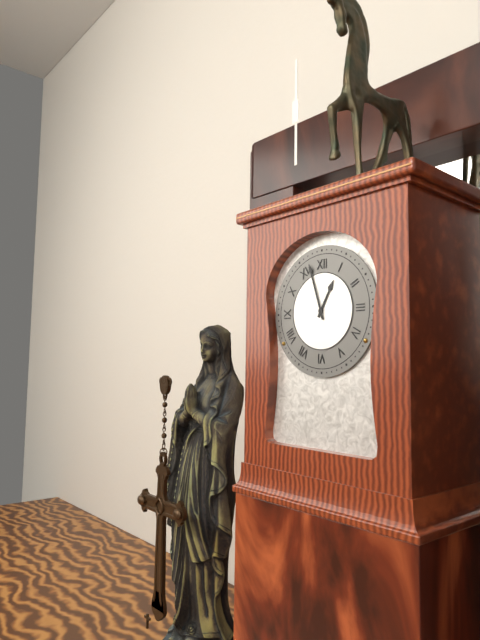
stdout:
12,57
